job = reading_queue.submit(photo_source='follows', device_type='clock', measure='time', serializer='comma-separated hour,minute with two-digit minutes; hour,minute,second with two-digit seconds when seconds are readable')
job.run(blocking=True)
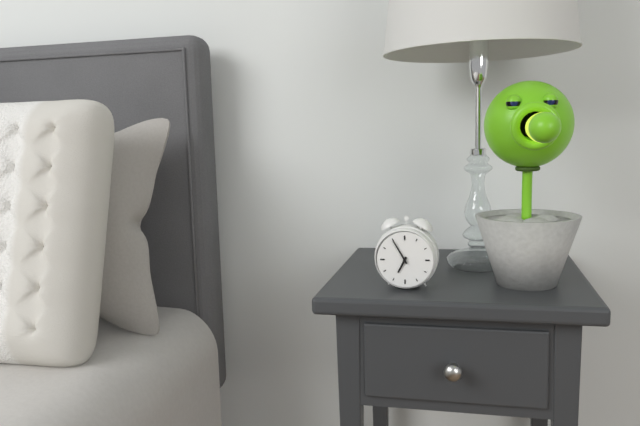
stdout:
6,55
